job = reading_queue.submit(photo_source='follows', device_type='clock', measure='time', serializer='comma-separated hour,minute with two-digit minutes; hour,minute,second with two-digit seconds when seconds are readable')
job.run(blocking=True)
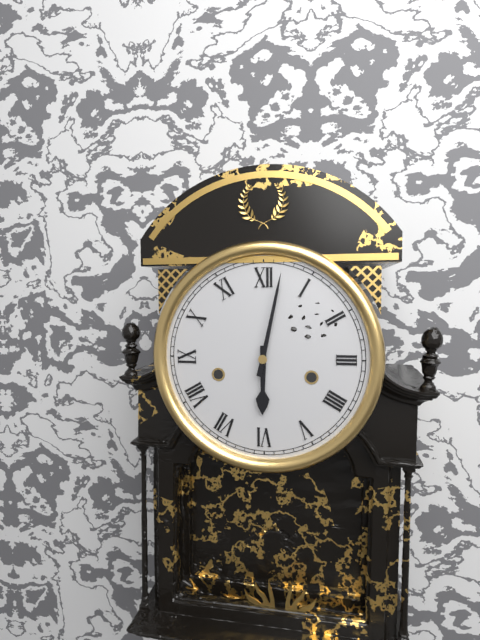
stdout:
6,02
